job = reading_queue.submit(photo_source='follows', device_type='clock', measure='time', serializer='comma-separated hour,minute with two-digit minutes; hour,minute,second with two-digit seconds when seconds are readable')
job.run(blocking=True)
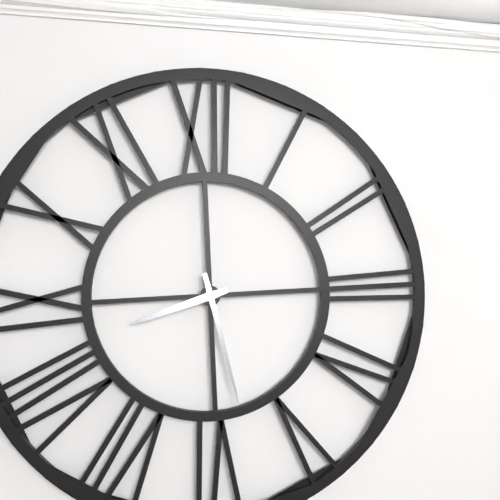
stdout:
8,28
